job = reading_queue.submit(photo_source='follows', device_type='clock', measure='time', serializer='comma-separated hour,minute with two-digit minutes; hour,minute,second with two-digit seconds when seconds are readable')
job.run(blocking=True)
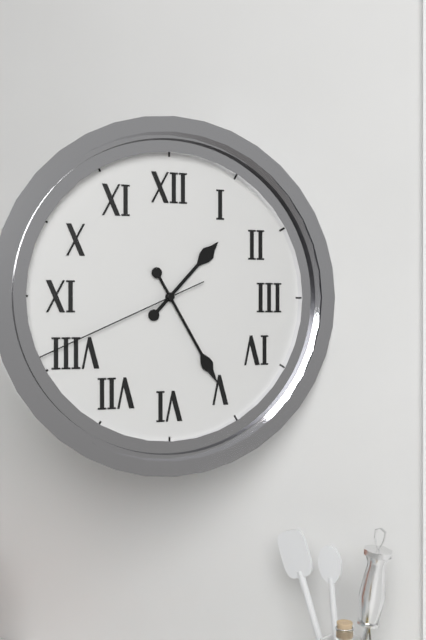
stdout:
1,25,41
